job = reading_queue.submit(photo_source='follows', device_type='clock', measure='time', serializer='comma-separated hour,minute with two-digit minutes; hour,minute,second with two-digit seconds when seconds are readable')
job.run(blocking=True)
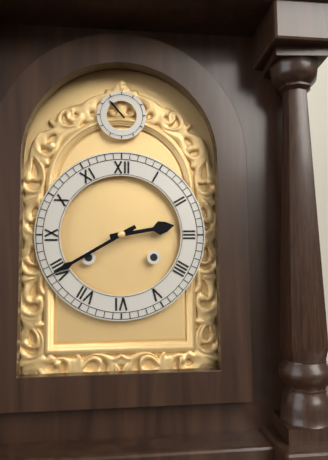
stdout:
2,40
